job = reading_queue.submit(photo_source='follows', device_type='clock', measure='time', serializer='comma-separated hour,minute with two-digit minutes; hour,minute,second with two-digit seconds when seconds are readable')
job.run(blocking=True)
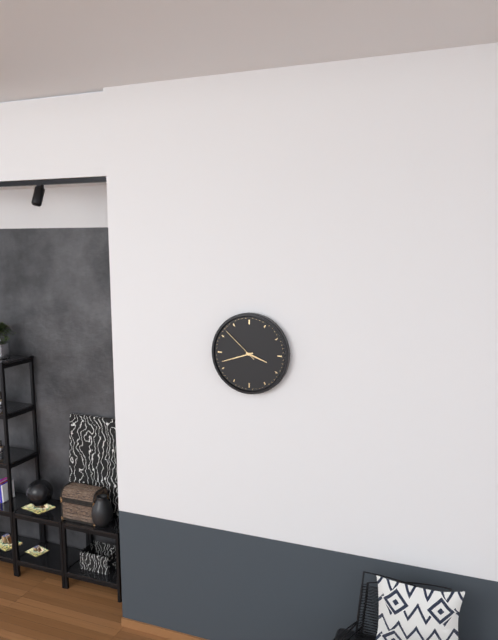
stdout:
3,42
